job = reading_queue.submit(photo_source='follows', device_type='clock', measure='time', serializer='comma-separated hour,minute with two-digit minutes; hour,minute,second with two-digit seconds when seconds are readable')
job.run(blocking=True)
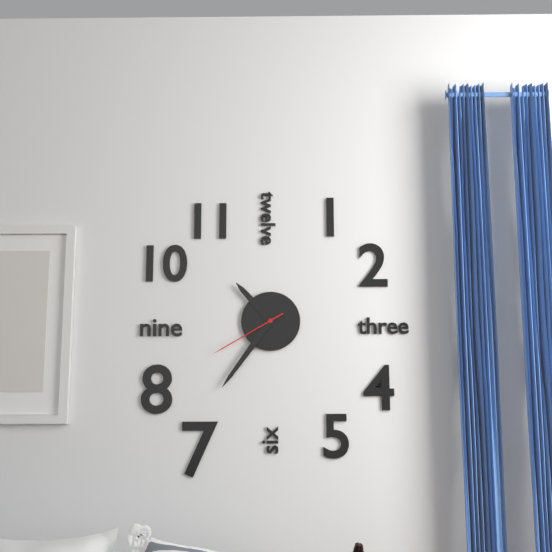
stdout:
10,36,40
